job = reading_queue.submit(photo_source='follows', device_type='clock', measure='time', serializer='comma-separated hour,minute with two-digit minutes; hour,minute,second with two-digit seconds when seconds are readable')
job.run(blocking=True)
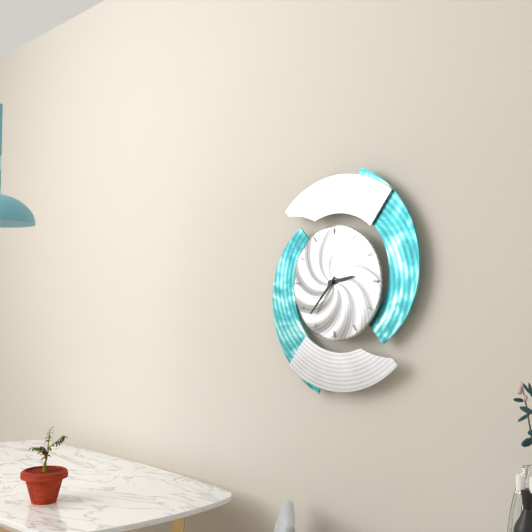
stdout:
2,37
